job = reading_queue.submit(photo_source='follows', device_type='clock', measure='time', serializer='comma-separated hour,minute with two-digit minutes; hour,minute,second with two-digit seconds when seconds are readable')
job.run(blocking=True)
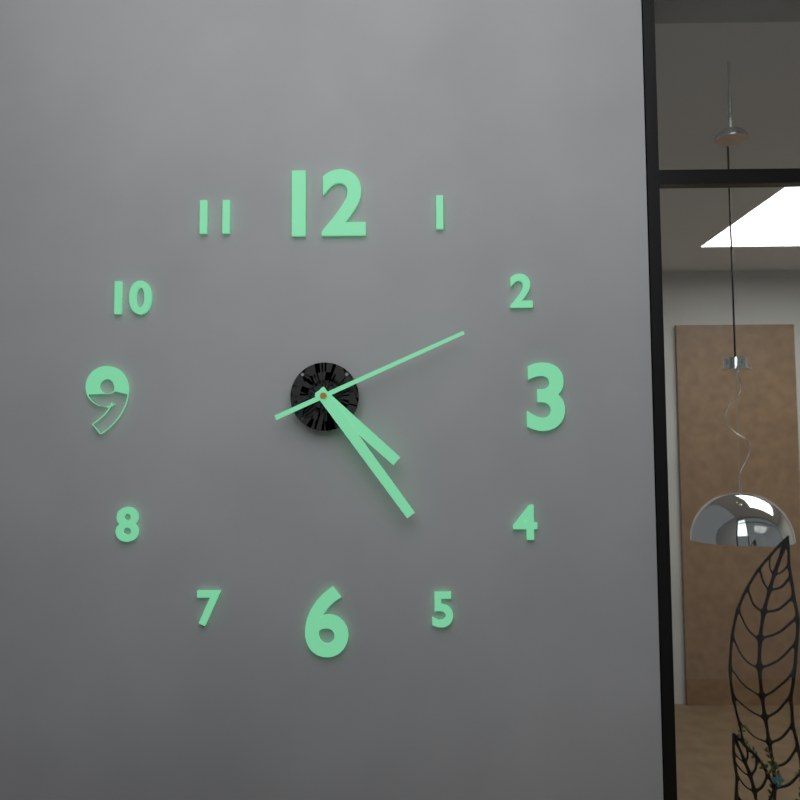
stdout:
4,24,11
